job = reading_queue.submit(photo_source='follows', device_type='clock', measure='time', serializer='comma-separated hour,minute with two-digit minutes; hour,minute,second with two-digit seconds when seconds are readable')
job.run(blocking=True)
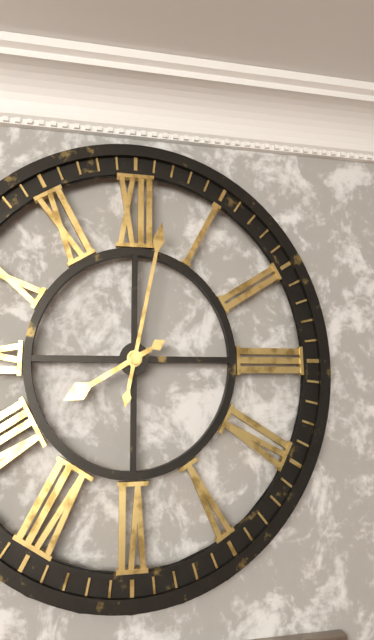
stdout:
8,02
